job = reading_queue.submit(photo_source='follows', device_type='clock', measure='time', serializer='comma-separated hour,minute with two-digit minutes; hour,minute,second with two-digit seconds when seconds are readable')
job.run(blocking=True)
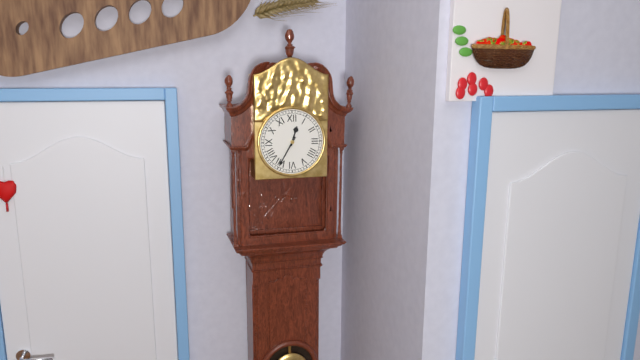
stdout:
12,35
